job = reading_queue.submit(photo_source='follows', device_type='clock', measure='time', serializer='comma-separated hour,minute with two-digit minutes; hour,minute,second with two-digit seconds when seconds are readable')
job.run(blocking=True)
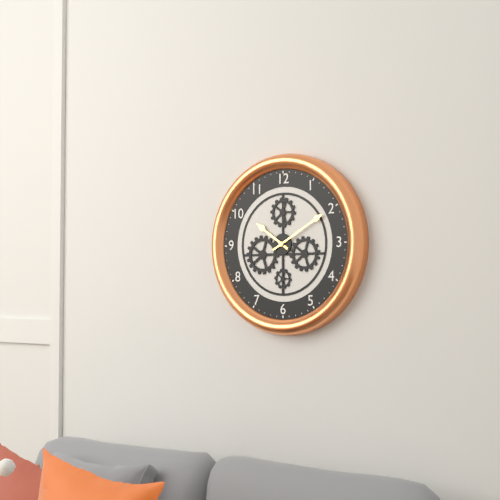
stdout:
10,10
